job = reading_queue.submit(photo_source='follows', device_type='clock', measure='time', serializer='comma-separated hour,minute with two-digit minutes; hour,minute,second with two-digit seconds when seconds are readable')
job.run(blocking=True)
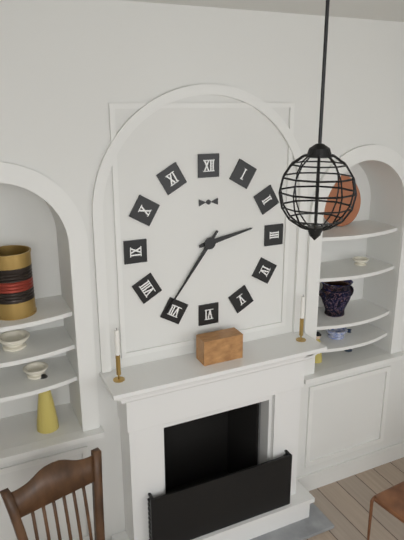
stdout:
2,36
